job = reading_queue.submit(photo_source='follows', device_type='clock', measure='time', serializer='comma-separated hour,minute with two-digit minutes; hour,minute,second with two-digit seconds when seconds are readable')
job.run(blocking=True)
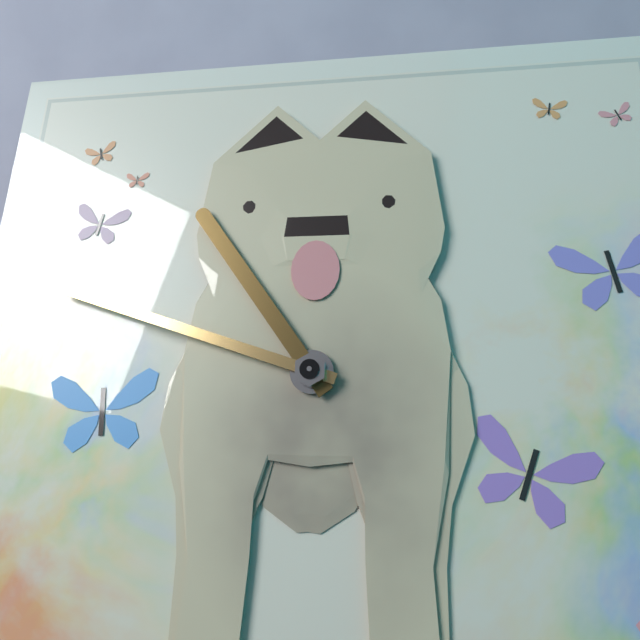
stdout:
10,48
